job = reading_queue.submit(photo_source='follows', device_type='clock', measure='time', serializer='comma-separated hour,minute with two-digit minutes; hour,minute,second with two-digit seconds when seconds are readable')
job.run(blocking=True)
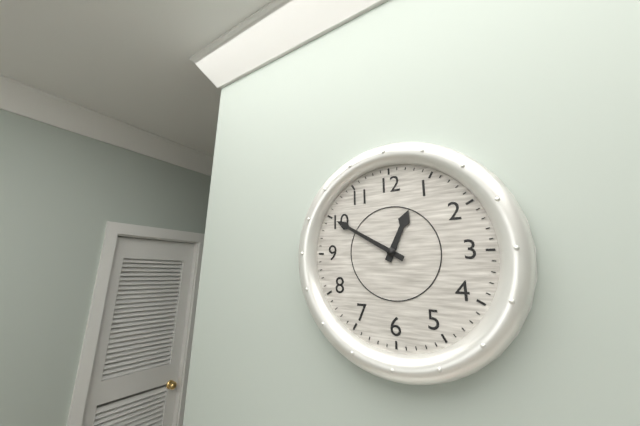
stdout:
12,50
